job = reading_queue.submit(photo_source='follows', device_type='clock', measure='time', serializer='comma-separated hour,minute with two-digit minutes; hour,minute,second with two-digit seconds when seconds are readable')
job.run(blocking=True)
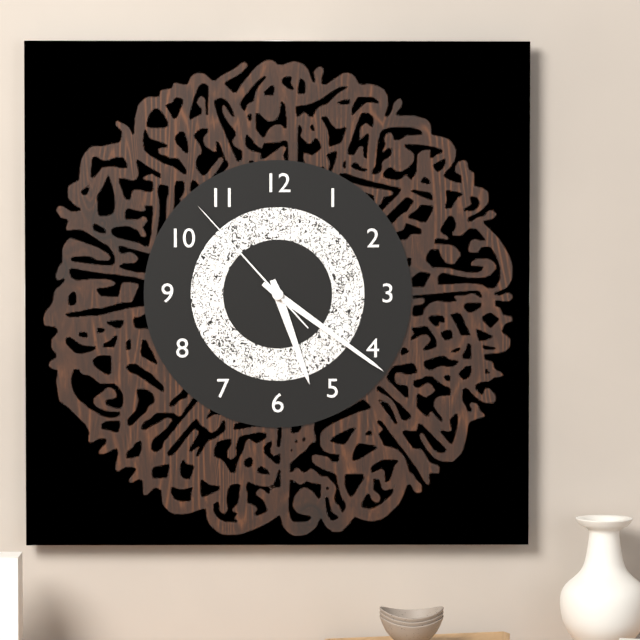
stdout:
5,21,53
